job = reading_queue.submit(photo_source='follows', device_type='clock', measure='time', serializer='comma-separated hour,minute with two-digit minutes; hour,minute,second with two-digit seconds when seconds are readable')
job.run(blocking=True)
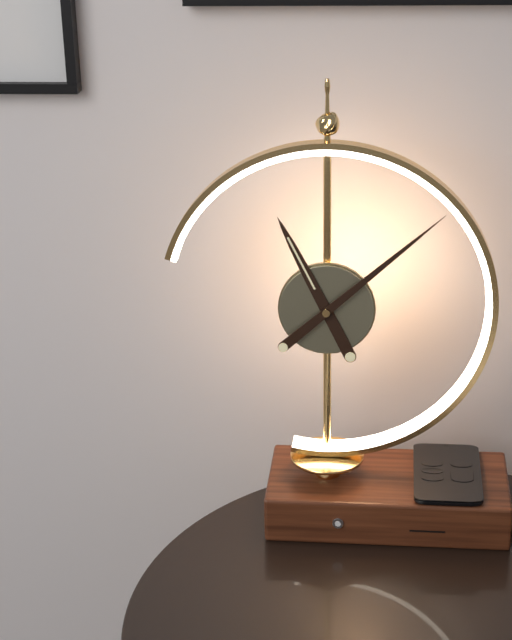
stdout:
11,08
